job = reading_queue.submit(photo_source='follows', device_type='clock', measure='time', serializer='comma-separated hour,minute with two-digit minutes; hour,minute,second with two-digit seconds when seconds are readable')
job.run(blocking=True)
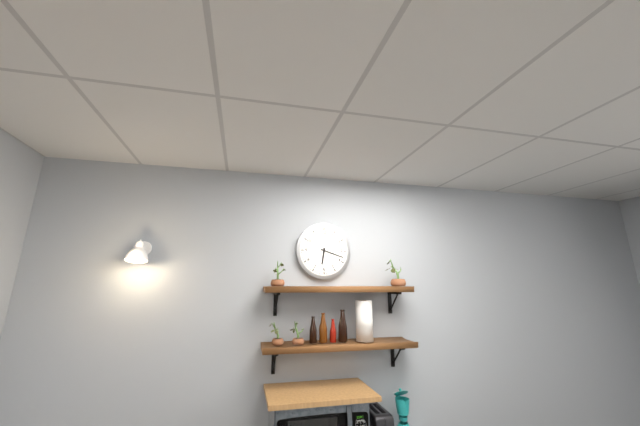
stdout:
6,18
